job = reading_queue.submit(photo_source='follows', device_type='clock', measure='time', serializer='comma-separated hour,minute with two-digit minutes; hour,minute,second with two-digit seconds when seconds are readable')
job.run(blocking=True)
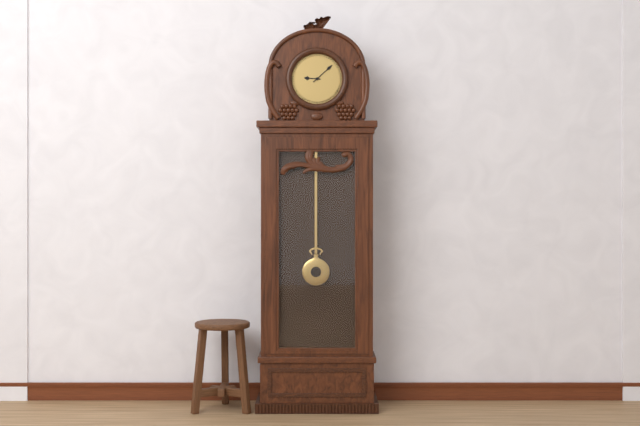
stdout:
9,08
